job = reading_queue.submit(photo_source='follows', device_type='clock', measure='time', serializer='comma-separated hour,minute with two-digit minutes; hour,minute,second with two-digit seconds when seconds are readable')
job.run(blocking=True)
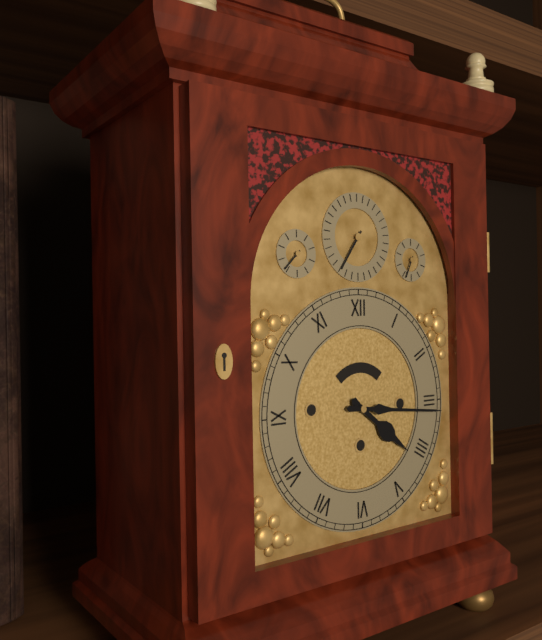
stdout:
4,16
